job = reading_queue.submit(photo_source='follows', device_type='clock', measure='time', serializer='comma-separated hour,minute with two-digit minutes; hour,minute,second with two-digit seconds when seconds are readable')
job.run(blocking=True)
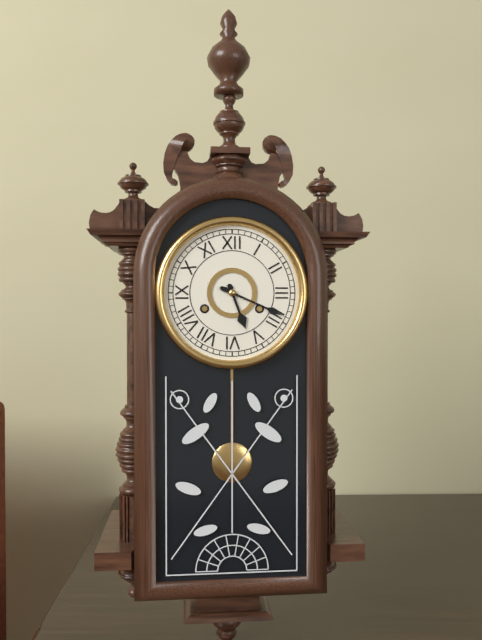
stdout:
5,19
